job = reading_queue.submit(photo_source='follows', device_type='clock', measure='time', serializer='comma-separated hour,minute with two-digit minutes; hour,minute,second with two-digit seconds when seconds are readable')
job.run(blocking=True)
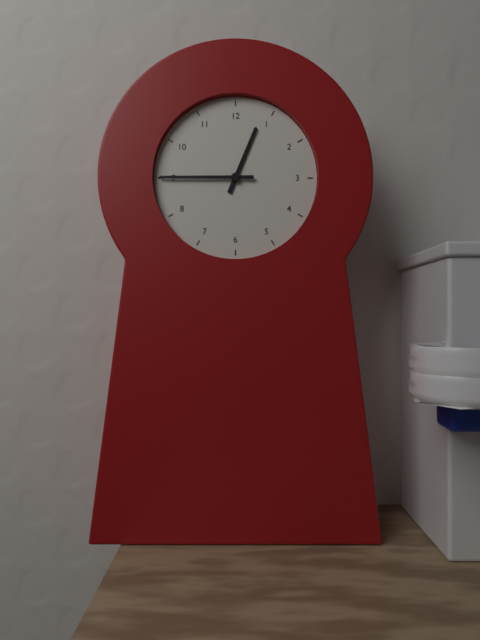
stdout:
12,45
